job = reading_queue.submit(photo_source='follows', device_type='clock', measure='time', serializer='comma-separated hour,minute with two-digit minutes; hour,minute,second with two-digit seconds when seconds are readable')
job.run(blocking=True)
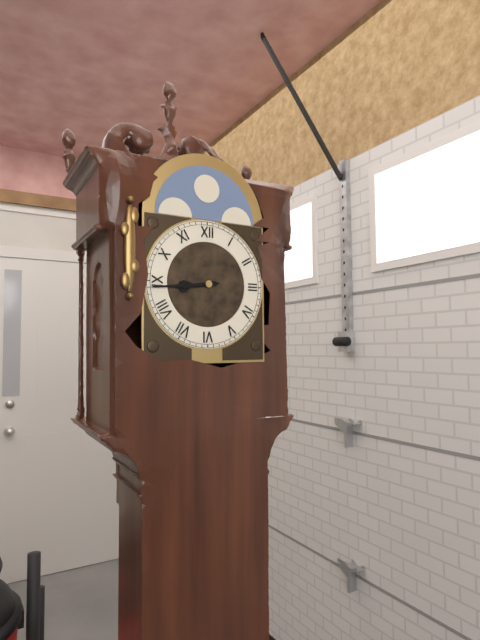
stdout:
8,44
